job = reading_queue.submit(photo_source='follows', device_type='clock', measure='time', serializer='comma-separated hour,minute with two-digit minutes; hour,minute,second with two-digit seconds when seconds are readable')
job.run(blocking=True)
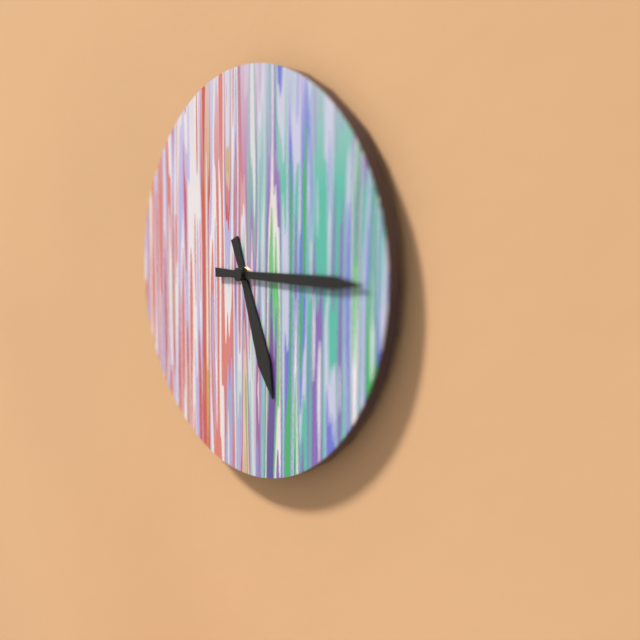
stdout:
5,15
